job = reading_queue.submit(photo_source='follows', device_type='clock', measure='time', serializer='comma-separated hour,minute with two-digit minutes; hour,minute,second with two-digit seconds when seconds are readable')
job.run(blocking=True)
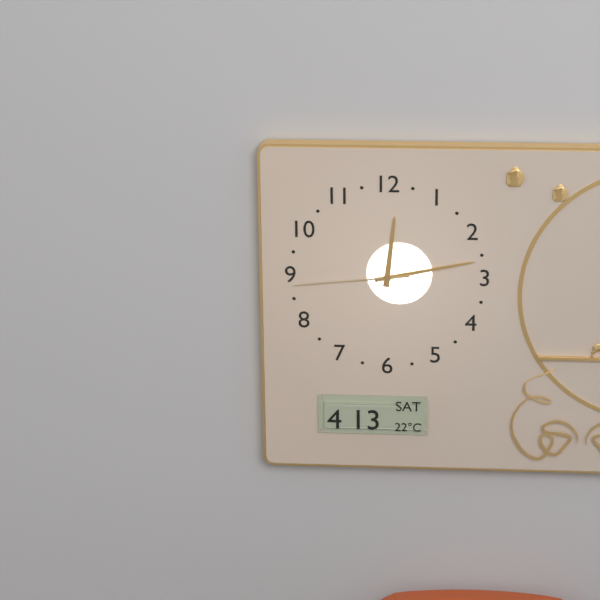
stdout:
12,13,44
